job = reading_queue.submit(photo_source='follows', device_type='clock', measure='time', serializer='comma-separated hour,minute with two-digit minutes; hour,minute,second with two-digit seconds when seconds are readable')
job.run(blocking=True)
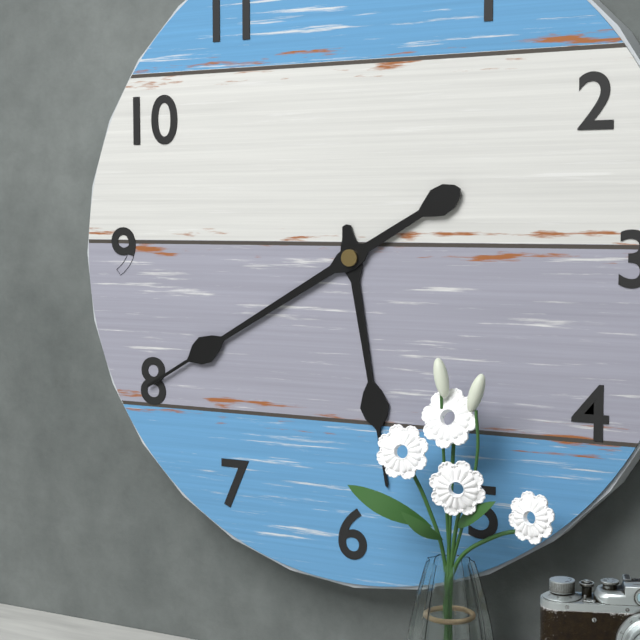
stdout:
5,40
